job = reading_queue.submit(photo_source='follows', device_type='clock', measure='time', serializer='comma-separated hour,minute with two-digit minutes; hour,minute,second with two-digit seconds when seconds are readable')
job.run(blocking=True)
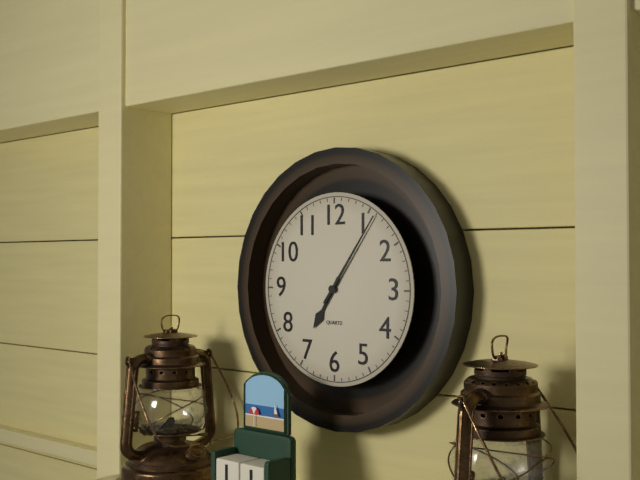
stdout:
7,06
